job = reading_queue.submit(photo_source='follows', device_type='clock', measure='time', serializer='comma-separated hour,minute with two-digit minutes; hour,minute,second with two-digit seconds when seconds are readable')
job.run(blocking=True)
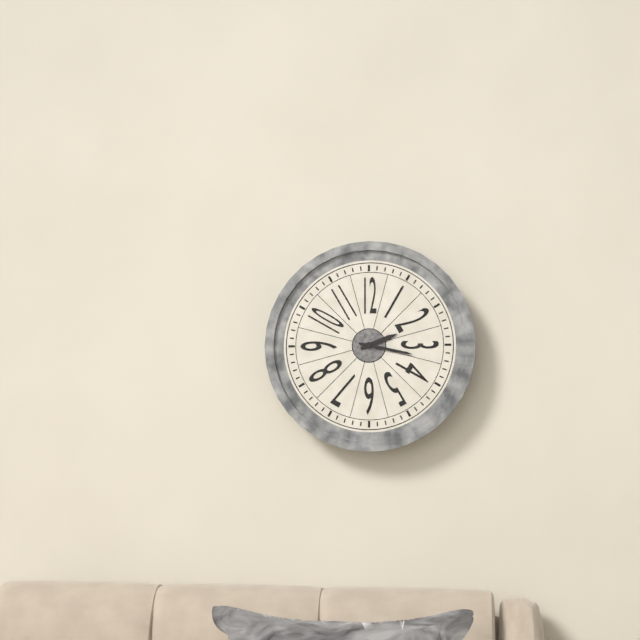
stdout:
2,17
